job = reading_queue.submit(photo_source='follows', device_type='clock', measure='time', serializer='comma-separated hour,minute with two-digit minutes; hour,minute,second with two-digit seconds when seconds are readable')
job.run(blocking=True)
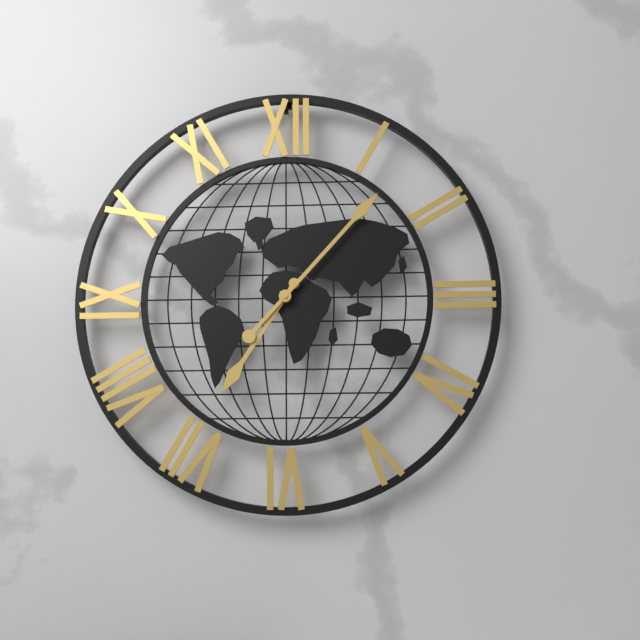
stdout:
7,07
